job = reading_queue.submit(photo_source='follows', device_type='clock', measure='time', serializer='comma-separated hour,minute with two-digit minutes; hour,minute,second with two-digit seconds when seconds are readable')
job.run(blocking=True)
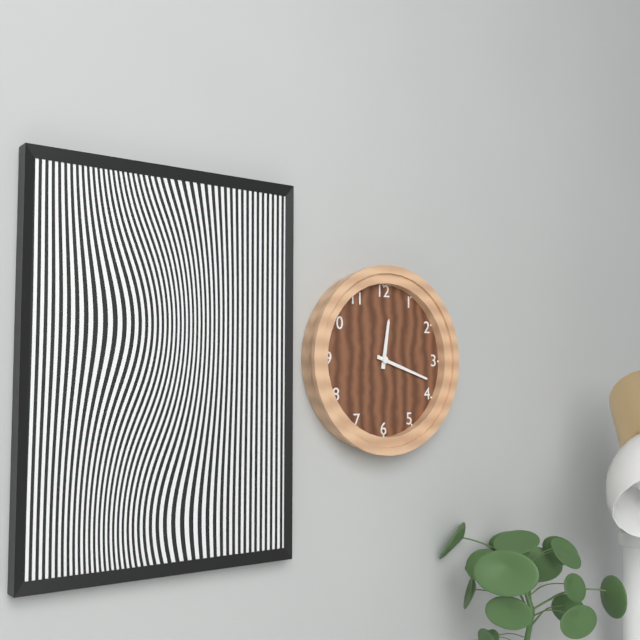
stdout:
12,18
